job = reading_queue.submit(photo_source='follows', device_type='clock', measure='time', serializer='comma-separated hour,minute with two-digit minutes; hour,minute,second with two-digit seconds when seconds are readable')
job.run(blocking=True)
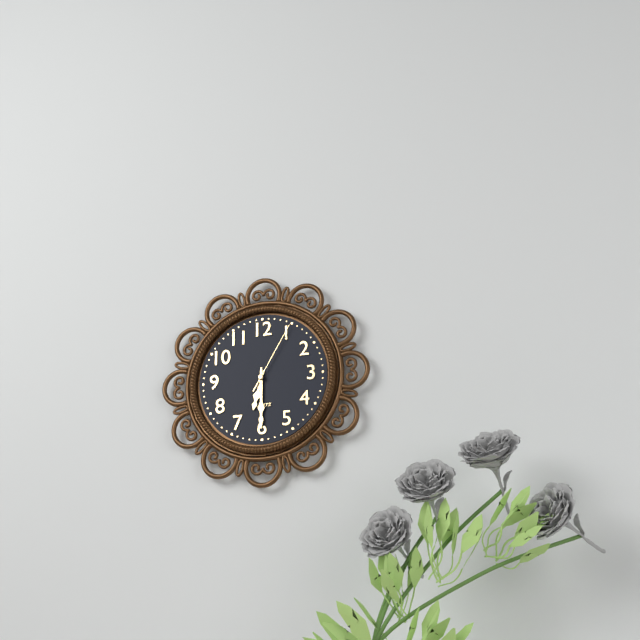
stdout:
6,30,05
